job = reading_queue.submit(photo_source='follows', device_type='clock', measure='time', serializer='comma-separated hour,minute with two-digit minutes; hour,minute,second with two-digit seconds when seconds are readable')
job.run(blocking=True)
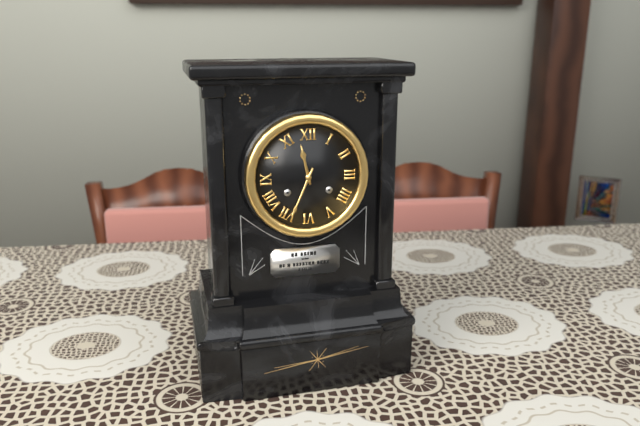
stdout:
11,34
